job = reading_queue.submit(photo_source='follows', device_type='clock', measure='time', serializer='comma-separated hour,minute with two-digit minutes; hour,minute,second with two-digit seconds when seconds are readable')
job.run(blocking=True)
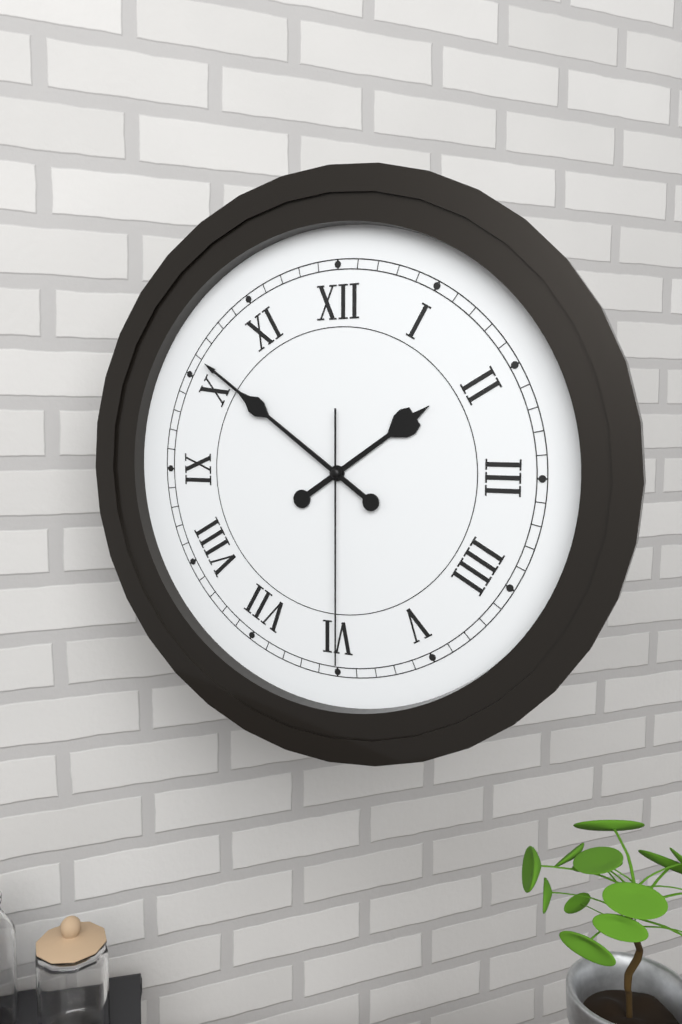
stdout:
1,51,30
